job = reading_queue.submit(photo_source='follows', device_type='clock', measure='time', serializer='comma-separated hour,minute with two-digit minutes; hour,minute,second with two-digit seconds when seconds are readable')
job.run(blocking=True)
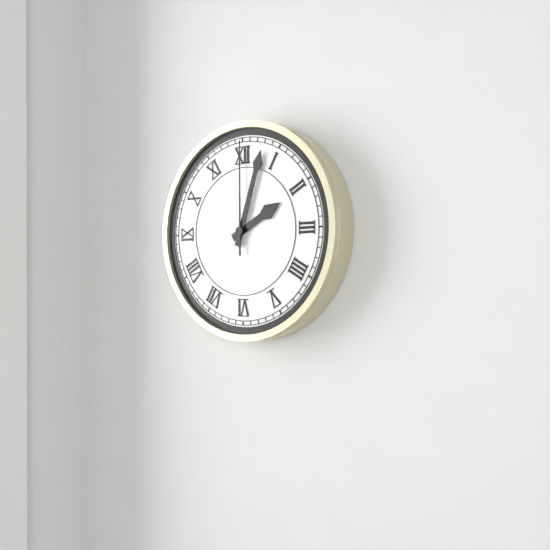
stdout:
2,03,00
